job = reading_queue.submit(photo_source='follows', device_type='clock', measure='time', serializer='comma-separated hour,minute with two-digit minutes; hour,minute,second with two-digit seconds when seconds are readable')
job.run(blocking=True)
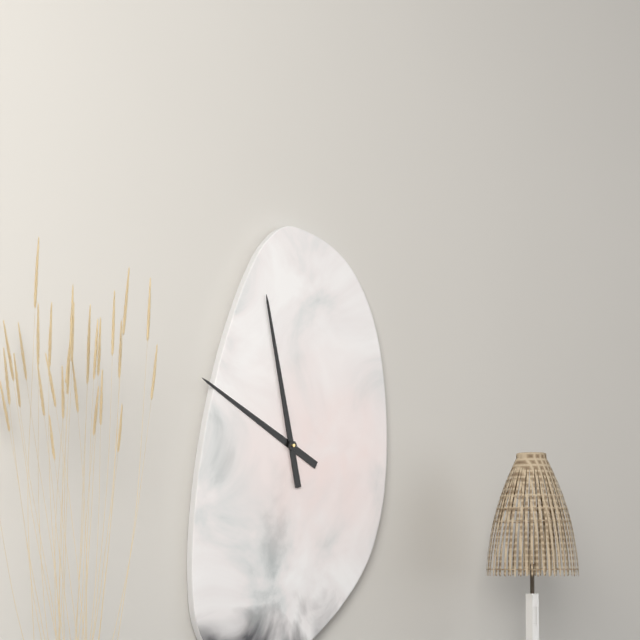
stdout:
9,58
